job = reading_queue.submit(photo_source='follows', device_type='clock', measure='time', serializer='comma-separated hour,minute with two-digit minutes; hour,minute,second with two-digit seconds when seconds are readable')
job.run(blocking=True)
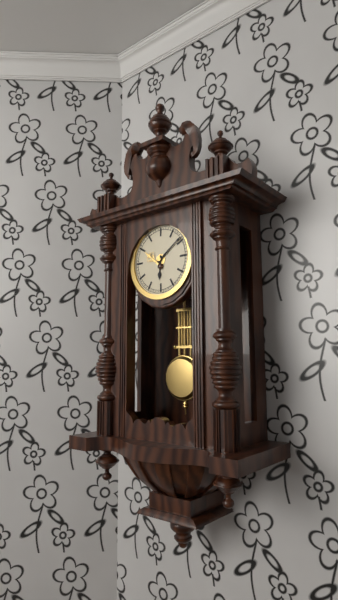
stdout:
6,09
